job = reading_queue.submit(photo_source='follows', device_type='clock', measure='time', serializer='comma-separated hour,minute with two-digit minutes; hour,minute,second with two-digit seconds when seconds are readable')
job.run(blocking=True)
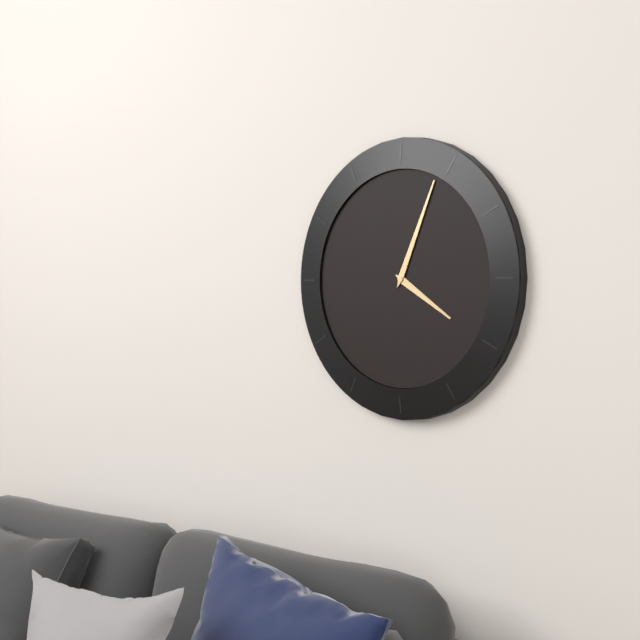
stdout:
4,04
